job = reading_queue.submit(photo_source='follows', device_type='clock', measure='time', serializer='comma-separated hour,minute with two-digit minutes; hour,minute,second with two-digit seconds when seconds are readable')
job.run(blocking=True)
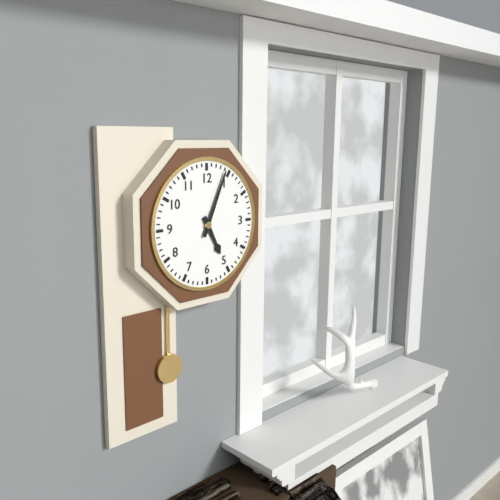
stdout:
5,04
